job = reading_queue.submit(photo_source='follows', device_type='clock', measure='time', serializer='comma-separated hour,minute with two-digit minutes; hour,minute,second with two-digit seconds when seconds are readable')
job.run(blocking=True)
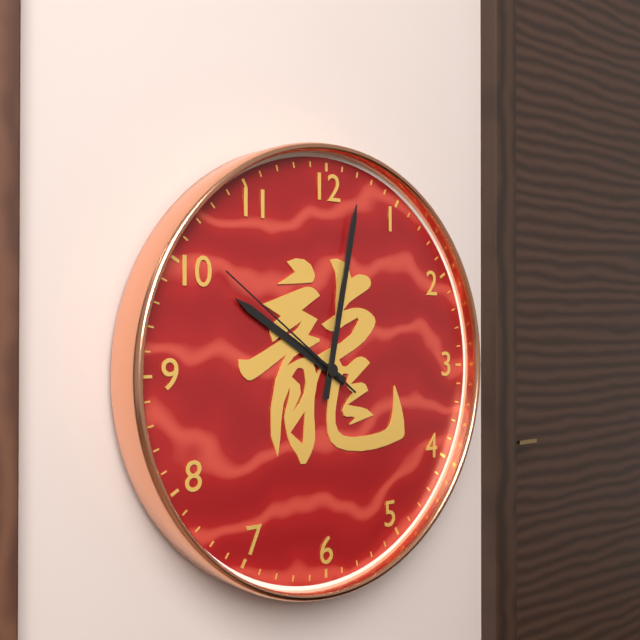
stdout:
10,02,51
